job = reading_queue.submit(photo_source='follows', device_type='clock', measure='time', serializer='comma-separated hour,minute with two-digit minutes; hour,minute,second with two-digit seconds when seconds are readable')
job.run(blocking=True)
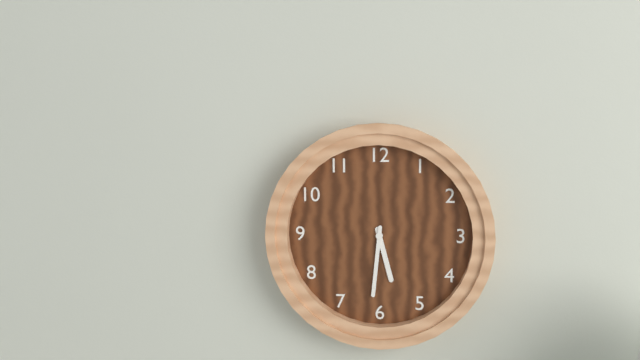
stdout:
5,31
